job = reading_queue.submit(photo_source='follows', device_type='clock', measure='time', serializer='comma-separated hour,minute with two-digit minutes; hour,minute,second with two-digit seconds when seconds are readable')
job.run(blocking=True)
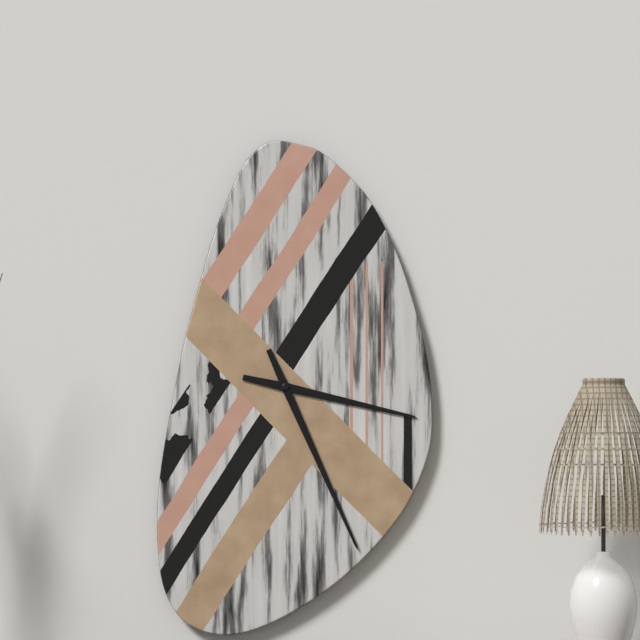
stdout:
3,26
